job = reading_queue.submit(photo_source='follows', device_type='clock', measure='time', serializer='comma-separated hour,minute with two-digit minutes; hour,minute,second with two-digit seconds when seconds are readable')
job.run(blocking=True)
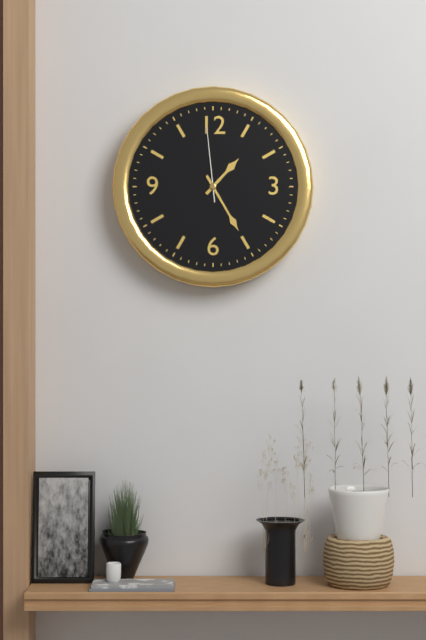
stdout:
1,25,59
